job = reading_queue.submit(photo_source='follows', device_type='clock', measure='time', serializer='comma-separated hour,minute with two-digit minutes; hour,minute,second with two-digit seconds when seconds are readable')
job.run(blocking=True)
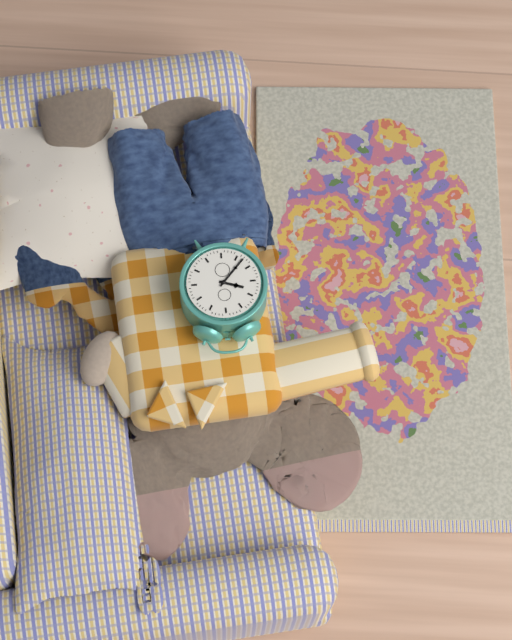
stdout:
9,37
